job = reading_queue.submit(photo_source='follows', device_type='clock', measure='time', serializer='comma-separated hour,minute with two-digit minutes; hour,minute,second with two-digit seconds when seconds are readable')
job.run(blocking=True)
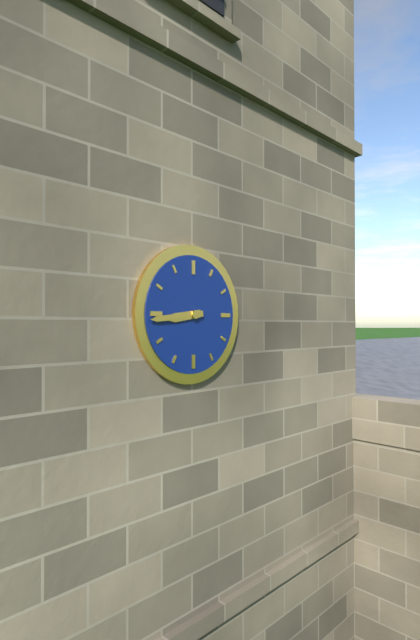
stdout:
8,44
